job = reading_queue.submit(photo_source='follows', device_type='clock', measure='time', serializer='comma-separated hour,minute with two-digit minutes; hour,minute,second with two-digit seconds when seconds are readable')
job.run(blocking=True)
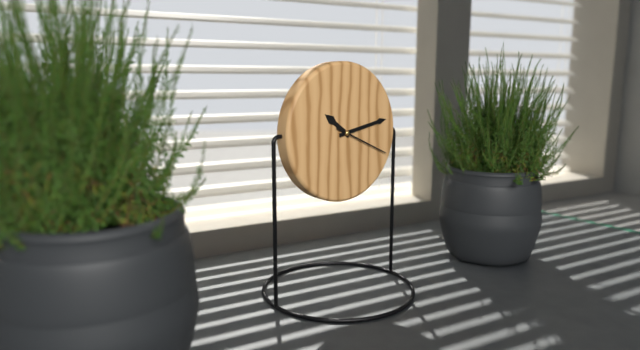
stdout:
10,13,19
